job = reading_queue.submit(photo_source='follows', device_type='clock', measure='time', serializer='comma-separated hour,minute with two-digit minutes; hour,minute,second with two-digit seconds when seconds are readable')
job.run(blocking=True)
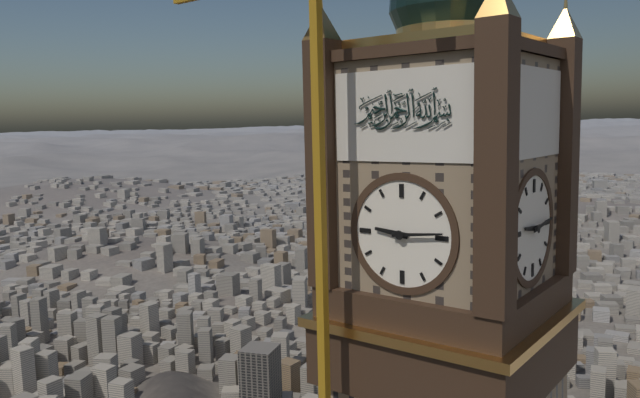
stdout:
9,14
